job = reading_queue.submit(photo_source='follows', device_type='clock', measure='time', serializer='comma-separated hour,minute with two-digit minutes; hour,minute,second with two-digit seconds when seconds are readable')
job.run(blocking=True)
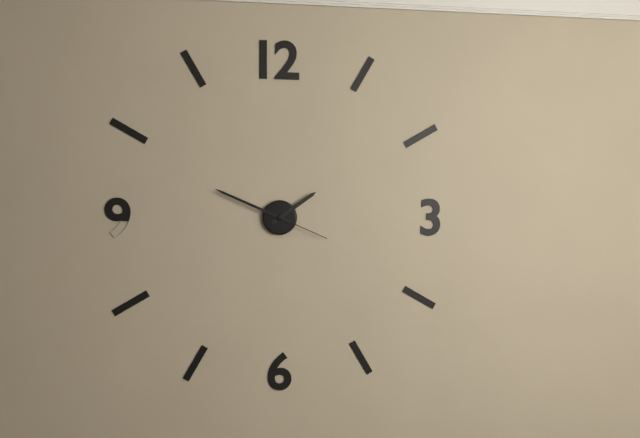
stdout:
1,49,19
